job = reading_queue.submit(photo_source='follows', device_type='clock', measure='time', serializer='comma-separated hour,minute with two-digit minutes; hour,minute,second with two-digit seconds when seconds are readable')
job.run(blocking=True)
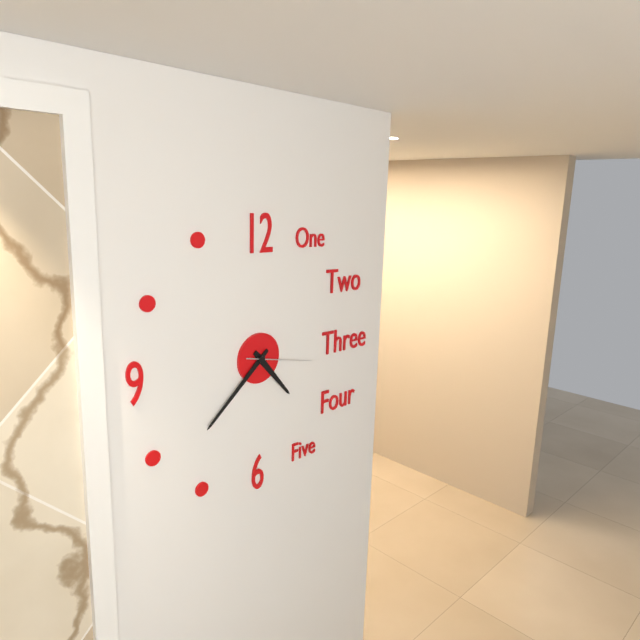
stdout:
4,38,17
